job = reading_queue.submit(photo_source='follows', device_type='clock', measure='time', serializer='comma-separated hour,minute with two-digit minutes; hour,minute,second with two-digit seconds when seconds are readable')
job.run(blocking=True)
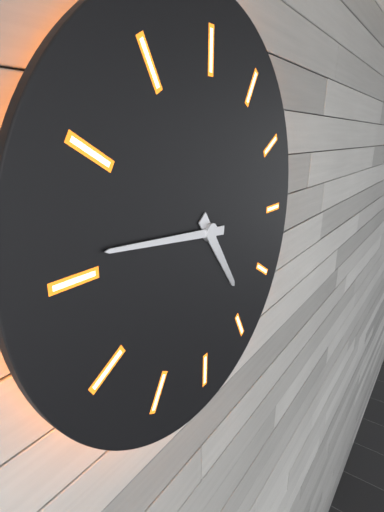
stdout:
4,46
